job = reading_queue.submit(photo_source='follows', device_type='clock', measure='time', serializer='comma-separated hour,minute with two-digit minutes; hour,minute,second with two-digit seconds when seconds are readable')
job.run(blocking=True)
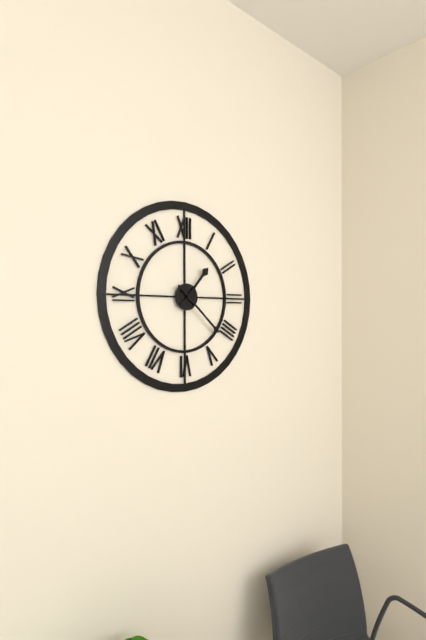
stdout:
1,22
